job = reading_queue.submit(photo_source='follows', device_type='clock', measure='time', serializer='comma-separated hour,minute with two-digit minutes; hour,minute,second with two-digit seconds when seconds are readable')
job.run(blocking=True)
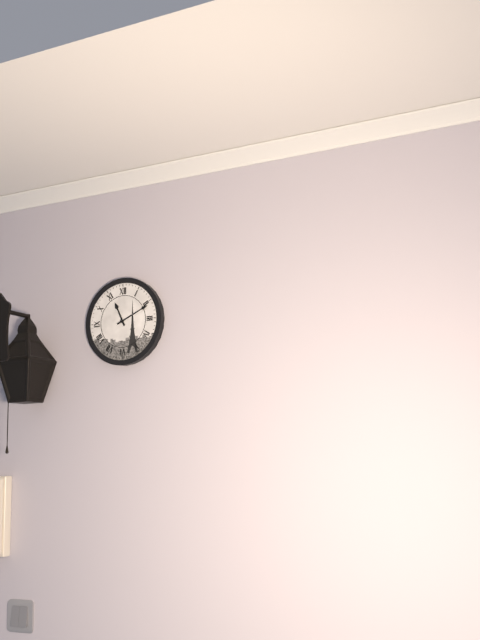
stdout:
11,11
